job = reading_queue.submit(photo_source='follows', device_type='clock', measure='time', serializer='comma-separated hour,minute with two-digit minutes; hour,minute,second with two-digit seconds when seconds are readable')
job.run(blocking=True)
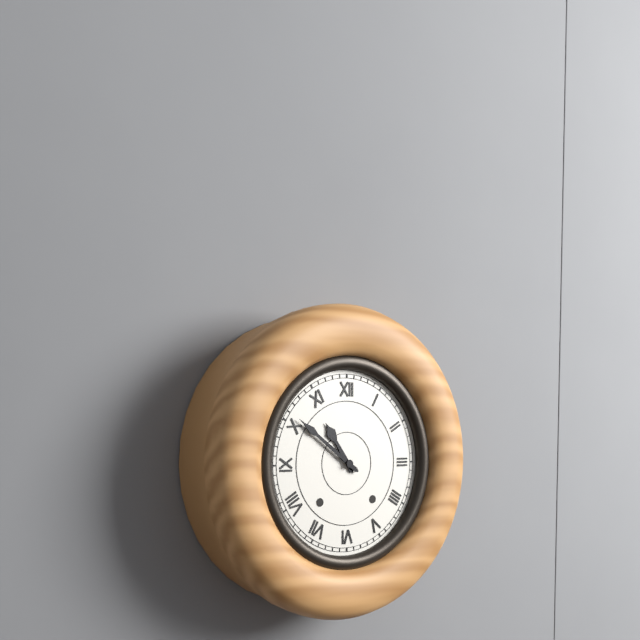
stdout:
10,51
